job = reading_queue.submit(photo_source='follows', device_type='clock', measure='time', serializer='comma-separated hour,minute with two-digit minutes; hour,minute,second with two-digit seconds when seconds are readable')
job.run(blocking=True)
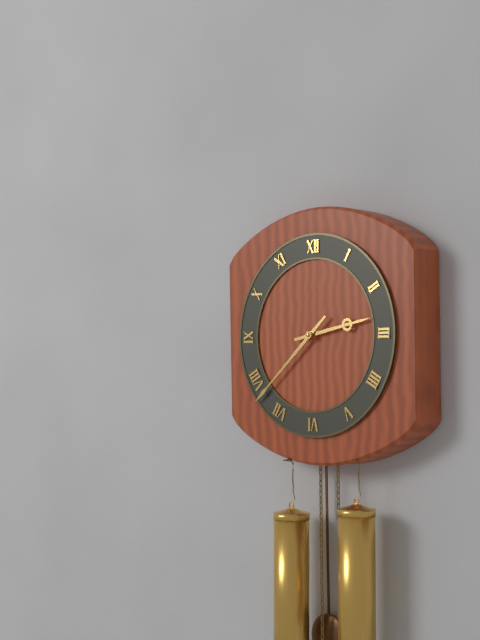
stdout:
2,38
